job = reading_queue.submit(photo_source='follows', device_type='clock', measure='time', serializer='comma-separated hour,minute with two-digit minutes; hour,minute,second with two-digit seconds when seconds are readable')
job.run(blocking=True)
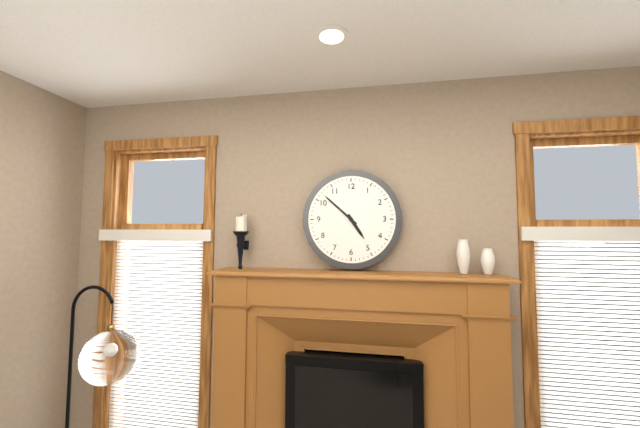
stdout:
4,52
